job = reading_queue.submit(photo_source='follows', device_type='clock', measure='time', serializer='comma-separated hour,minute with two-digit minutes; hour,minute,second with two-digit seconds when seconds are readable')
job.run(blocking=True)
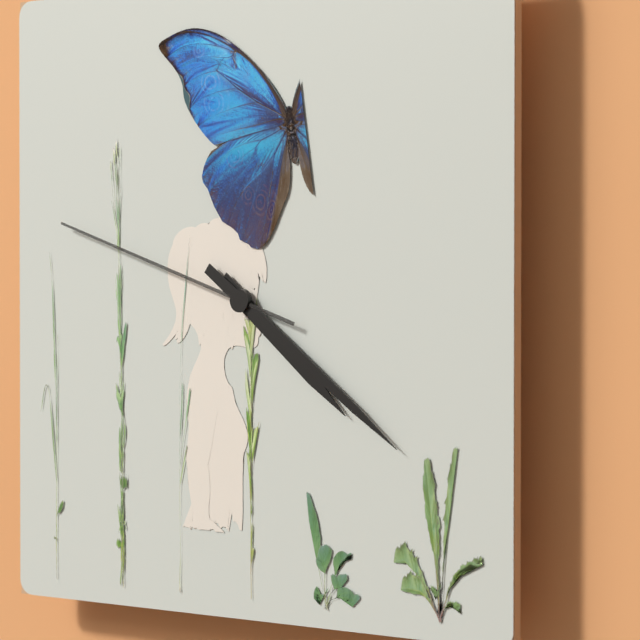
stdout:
4,21,48
